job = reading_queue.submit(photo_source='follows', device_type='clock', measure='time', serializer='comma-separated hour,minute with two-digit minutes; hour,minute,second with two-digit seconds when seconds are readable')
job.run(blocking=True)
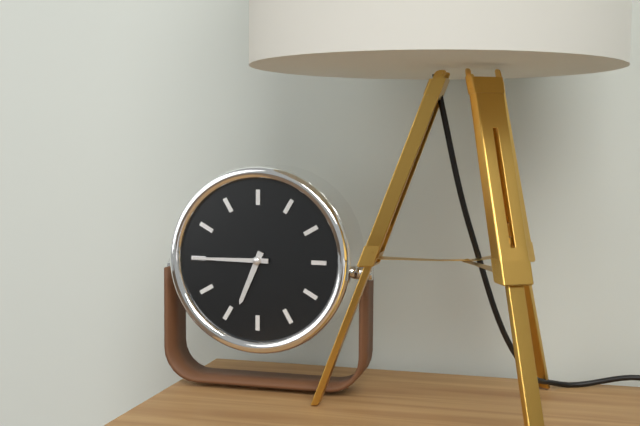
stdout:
6,45
